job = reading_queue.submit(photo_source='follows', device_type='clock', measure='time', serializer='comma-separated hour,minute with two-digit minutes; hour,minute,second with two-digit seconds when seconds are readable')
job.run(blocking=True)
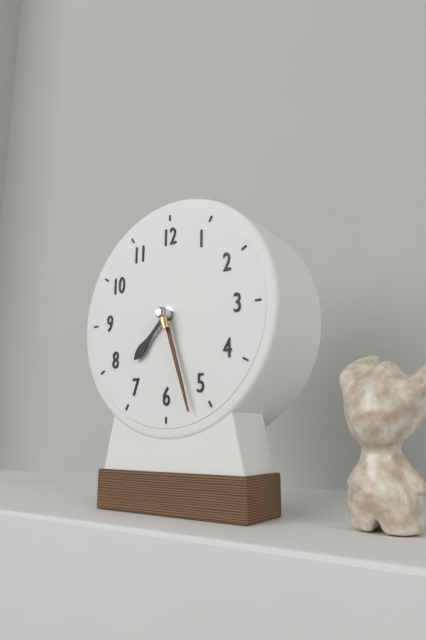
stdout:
7,27
